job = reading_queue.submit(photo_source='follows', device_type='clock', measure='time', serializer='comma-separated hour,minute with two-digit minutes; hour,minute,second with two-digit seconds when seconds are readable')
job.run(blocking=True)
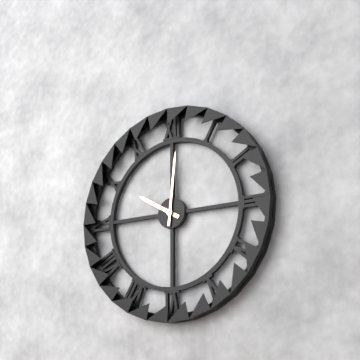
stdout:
10,01
